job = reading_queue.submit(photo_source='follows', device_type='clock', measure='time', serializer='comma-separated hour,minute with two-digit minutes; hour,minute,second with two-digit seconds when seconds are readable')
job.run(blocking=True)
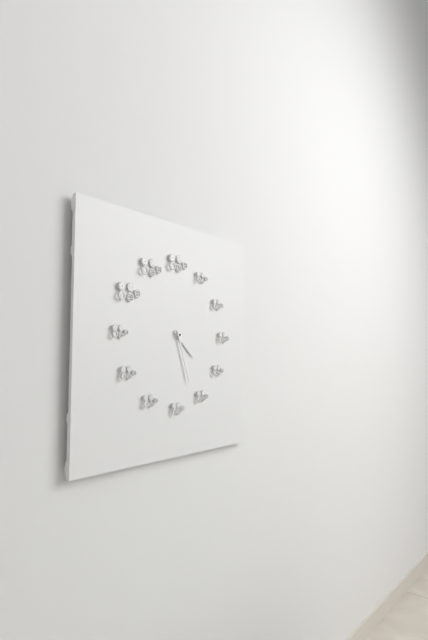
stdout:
4,27
